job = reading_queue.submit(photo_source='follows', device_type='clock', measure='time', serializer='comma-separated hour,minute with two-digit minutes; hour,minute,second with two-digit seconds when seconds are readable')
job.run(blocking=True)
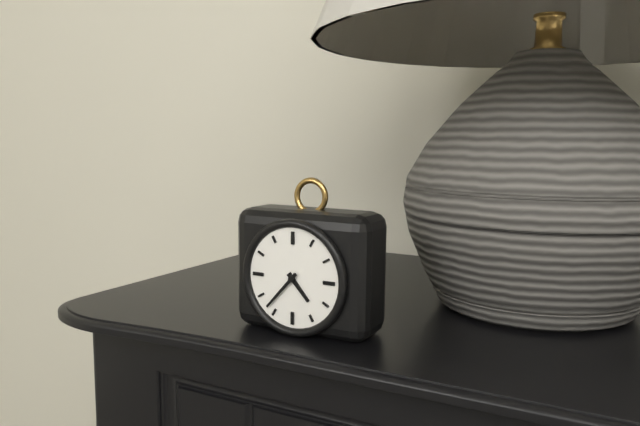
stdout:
4,37
